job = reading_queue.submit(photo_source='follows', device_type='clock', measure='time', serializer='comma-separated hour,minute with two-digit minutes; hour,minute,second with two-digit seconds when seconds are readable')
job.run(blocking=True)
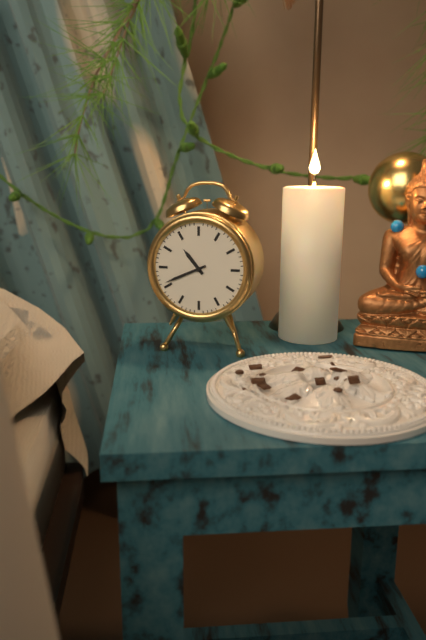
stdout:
10,41
